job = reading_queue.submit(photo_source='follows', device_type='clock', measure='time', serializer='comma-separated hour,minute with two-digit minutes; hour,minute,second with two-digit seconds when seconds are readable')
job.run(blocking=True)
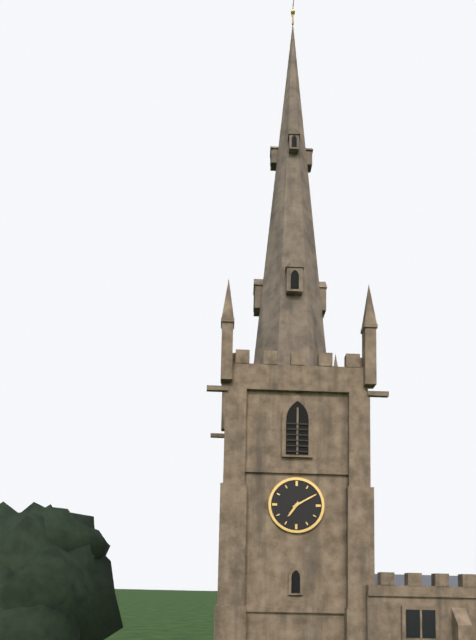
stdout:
7,10
